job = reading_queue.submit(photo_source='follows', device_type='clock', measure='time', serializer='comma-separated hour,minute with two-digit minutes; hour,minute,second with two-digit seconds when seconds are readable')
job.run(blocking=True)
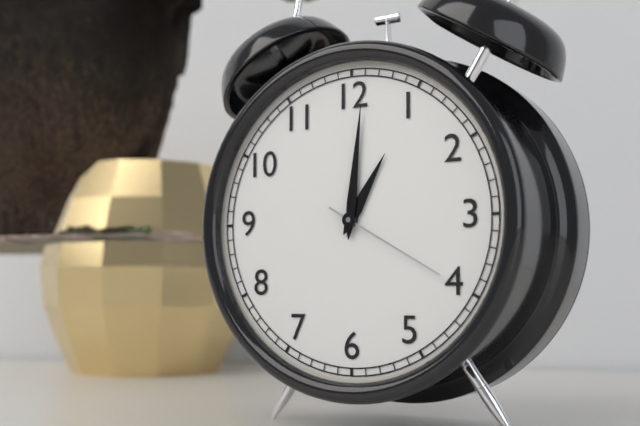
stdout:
1,01,20
